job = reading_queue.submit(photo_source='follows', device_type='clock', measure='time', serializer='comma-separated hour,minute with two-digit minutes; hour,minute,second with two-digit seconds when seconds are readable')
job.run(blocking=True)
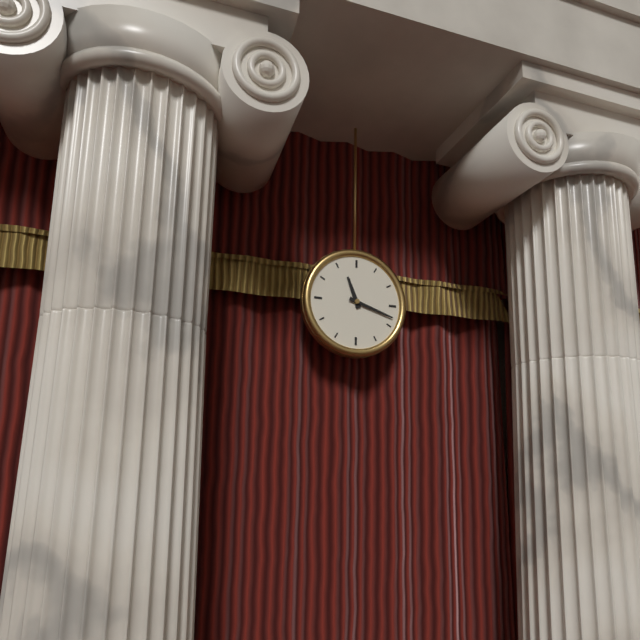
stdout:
11,18
